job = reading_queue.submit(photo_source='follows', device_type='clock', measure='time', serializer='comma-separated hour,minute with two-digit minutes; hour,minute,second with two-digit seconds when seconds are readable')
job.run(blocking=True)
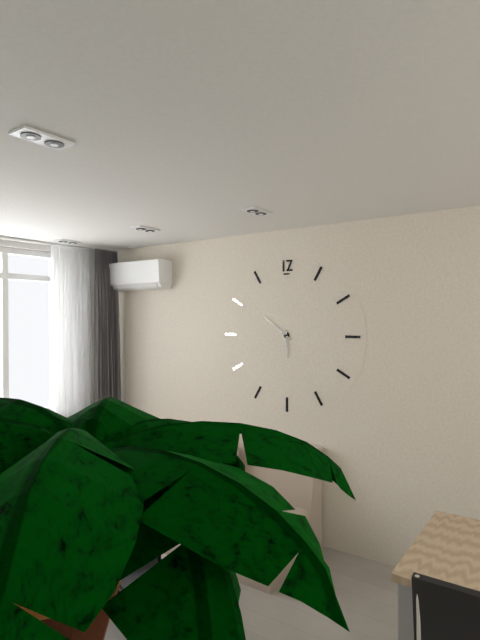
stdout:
5,51
